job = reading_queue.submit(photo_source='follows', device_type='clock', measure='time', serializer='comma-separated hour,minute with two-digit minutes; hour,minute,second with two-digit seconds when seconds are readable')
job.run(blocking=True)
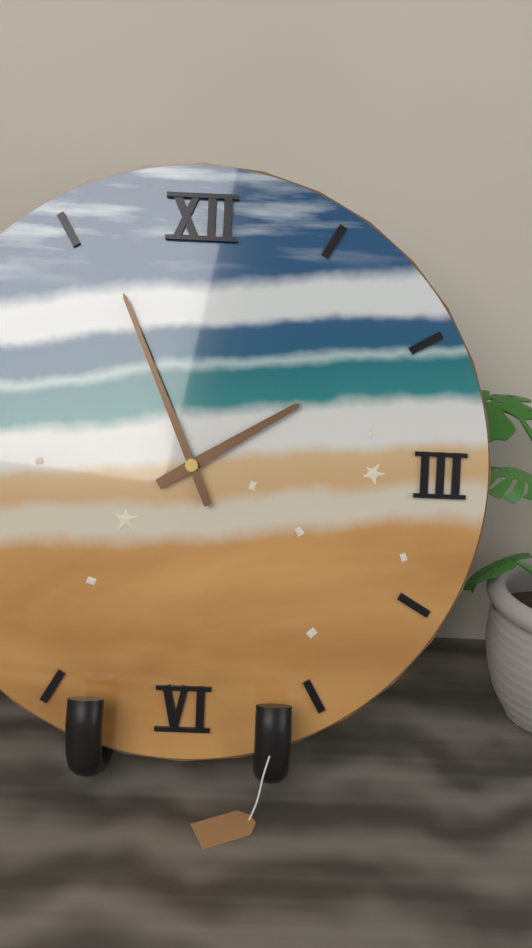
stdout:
1,56
